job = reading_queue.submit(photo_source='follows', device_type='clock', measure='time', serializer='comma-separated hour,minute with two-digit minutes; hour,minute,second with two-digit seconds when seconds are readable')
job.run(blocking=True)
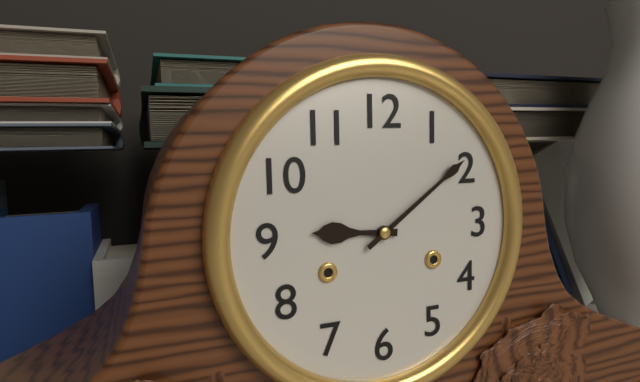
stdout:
9,09
